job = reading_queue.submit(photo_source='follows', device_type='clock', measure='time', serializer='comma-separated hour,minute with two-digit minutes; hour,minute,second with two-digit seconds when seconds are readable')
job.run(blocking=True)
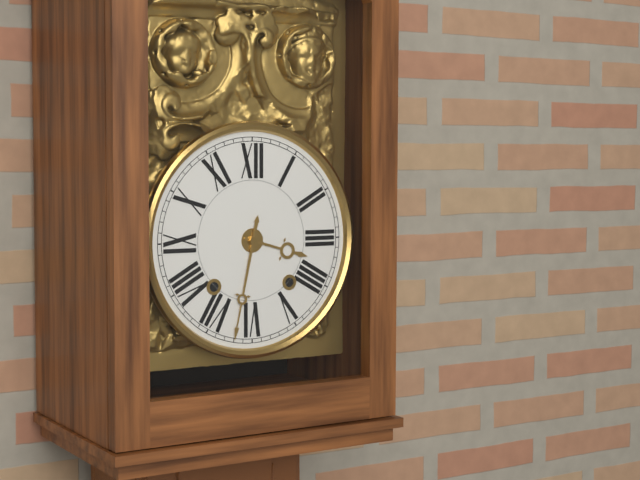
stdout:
3,32
